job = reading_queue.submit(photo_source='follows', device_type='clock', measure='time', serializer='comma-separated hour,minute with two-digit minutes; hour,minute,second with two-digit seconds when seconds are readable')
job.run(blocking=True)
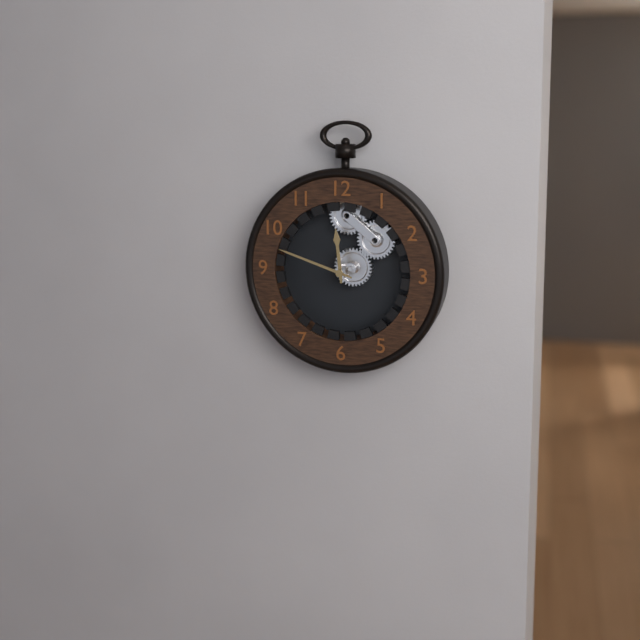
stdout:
11,48
